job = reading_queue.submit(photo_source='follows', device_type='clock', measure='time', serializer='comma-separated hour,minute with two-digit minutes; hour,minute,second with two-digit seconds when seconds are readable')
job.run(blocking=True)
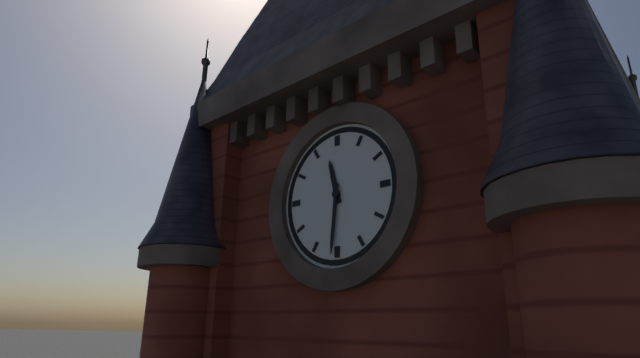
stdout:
11,31
